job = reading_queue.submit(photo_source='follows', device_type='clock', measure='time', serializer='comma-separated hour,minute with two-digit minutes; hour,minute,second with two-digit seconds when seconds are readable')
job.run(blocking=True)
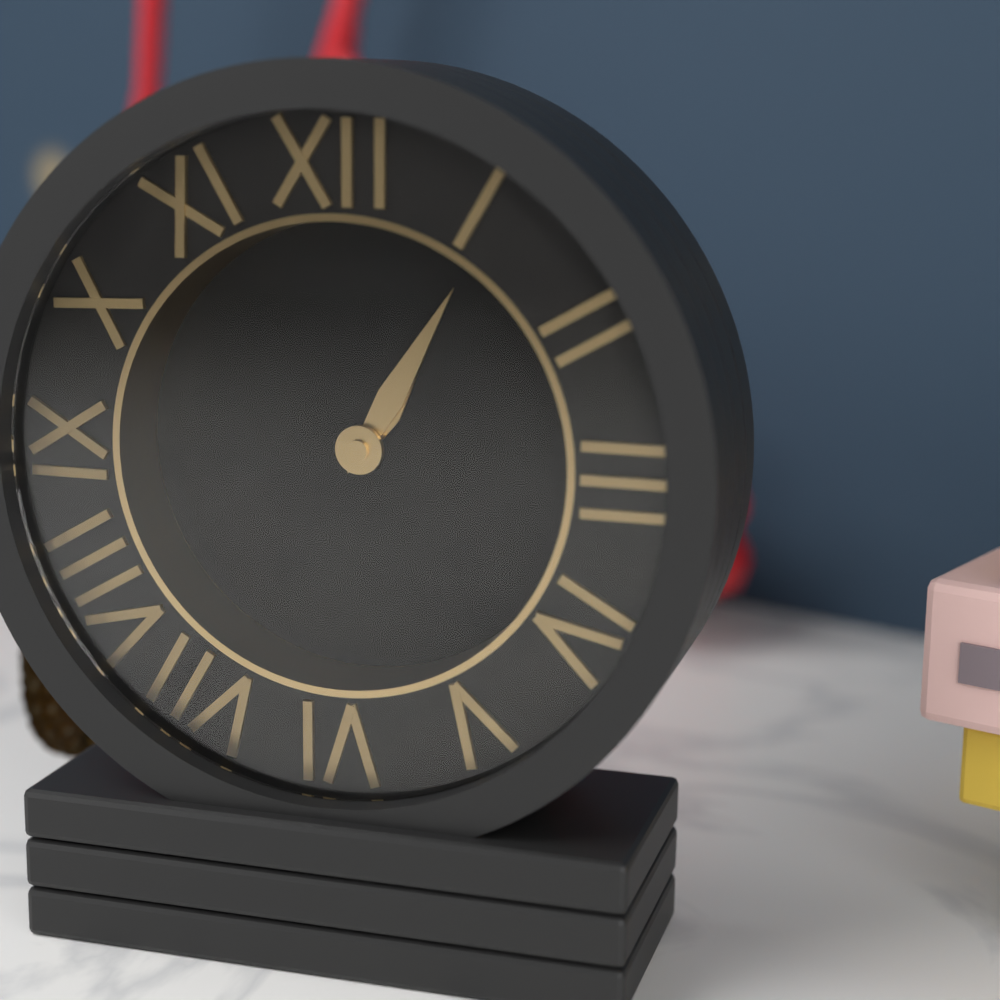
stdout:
1,05
